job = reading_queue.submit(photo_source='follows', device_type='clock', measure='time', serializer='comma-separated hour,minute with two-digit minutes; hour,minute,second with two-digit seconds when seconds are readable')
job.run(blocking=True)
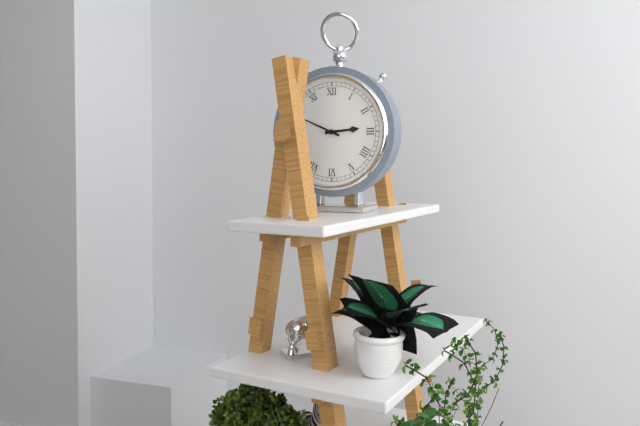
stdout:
2,49
